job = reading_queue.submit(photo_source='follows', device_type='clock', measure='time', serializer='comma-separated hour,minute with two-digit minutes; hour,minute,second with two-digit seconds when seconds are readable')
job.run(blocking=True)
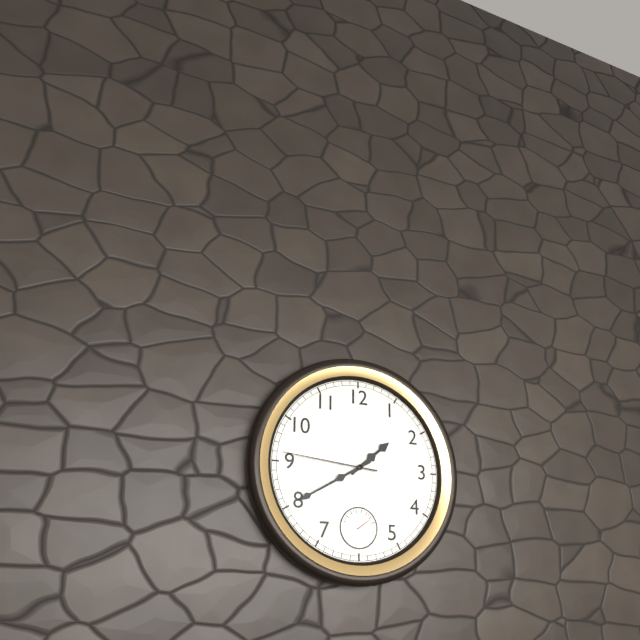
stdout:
1,40,46
